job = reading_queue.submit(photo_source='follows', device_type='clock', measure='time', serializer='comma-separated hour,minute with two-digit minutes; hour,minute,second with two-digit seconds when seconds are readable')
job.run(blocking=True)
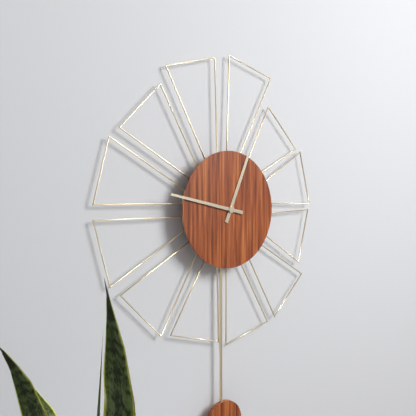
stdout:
12,47
